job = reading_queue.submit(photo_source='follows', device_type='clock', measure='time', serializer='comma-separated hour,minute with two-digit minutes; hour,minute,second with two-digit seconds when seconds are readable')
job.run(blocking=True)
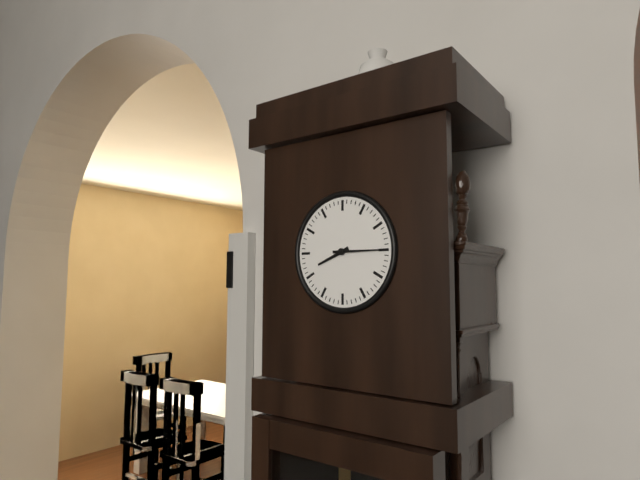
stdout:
8,15
